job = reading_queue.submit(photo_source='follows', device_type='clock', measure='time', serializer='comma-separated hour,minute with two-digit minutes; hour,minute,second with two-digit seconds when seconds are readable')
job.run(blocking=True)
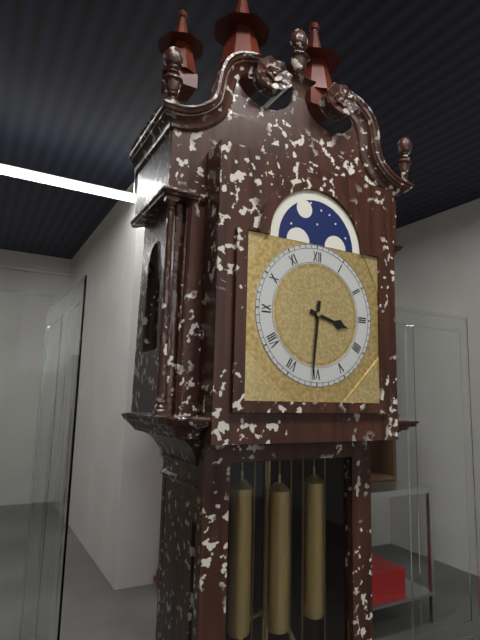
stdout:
3,31
